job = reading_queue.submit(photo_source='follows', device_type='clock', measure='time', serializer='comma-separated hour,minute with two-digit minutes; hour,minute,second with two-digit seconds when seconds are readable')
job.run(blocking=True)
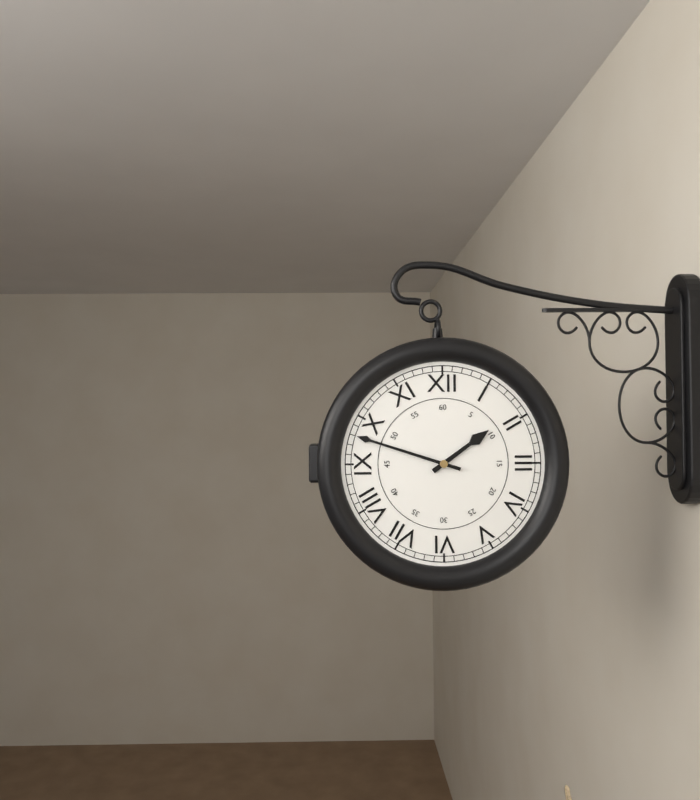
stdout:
1,48
